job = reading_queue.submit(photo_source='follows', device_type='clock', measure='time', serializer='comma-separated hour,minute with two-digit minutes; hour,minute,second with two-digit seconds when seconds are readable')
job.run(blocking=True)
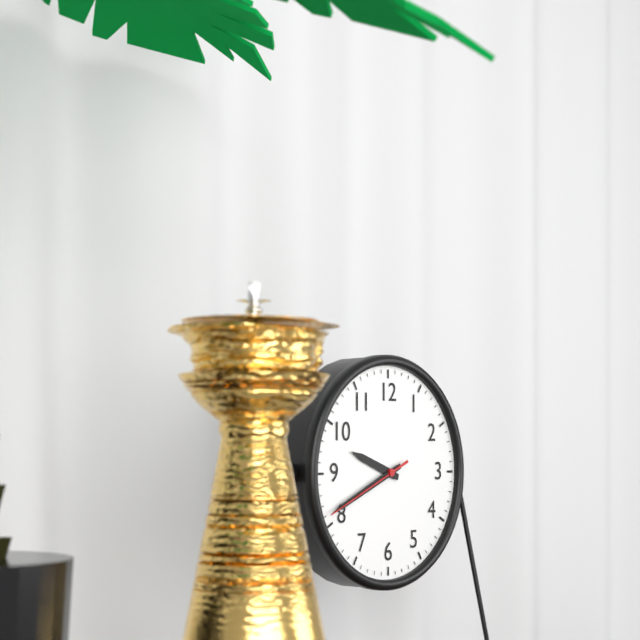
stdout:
9,41,41
